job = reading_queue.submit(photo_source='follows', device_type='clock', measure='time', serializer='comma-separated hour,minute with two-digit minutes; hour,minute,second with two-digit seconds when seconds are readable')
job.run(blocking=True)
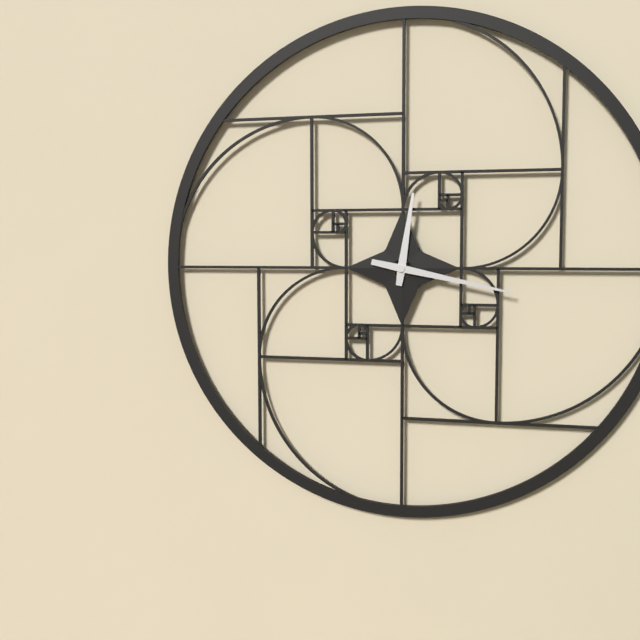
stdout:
12,17
